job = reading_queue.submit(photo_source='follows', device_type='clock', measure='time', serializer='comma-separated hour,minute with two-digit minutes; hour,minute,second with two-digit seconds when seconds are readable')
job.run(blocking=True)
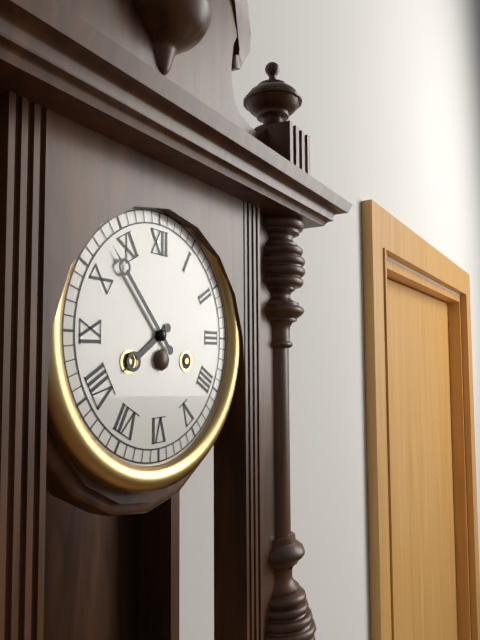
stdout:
7,53
